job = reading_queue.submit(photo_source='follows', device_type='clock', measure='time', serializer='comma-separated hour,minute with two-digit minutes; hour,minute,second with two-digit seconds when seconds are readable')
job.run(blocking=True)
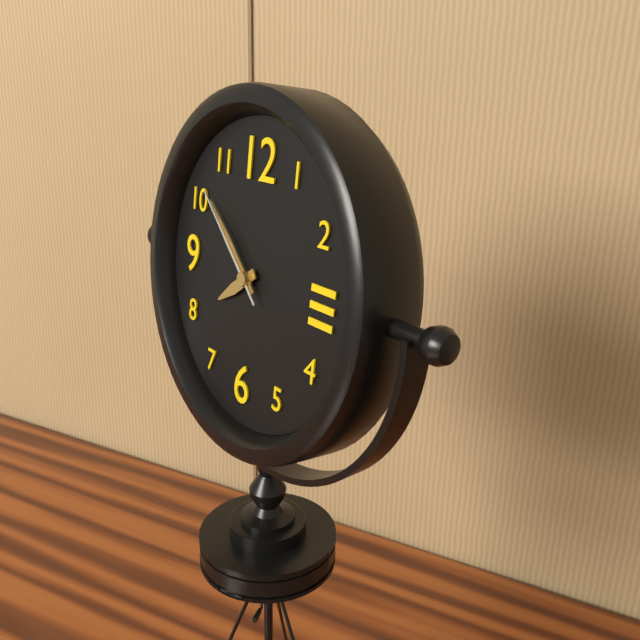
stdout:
7,52,52
